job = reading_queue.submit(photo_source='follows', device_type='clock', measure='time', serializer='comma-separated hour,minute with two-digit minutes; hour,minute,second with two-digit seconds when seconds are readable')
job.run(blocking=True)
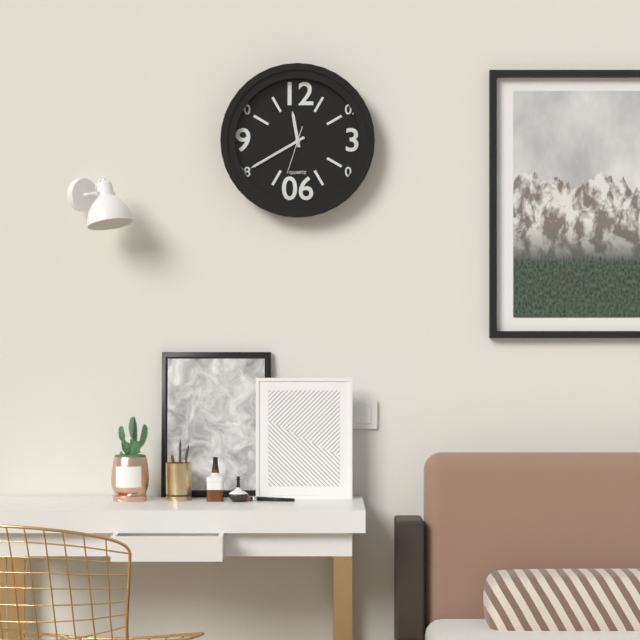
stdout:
11,40
